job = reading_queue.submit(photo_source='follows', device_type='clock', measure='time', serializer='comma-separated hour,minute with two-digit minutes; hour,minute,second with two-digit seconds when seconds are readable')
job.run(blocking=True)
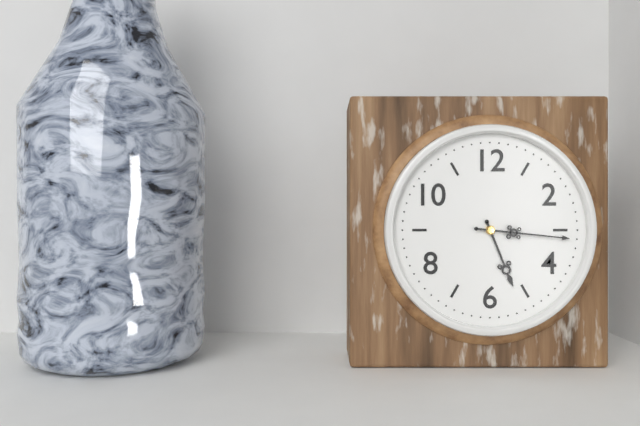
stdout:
5,16
